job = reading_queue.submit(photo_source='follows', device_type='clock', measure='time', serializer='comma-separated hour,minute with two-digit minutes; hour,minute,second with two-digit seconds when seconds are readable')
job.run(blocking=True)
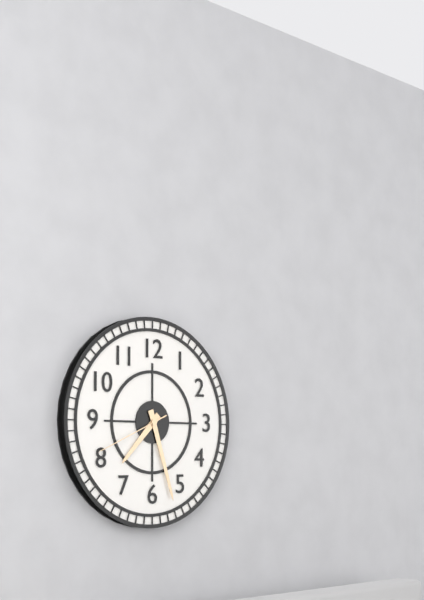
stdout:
7,27,41
